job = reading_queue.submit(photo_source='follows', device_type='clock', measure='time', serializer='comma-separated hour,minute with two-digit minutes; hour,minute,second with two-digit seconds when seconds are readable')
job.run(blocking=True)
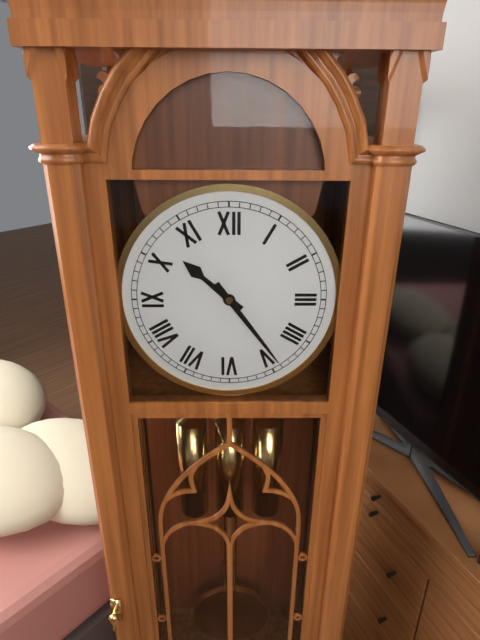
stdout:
10,24
